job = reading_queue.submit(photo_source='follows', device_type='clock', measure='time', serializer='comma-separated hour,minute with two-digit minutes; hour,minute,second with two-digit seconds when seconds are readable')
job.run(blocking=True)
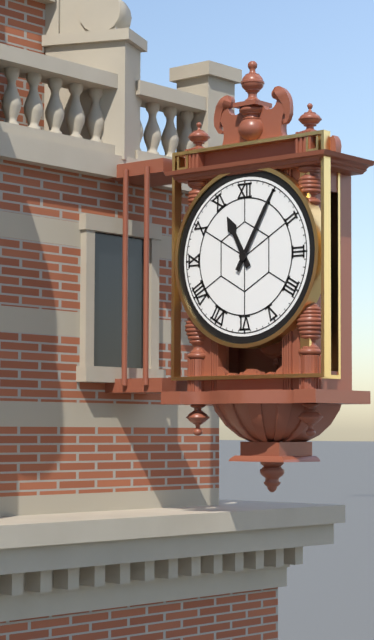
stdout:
11,05
